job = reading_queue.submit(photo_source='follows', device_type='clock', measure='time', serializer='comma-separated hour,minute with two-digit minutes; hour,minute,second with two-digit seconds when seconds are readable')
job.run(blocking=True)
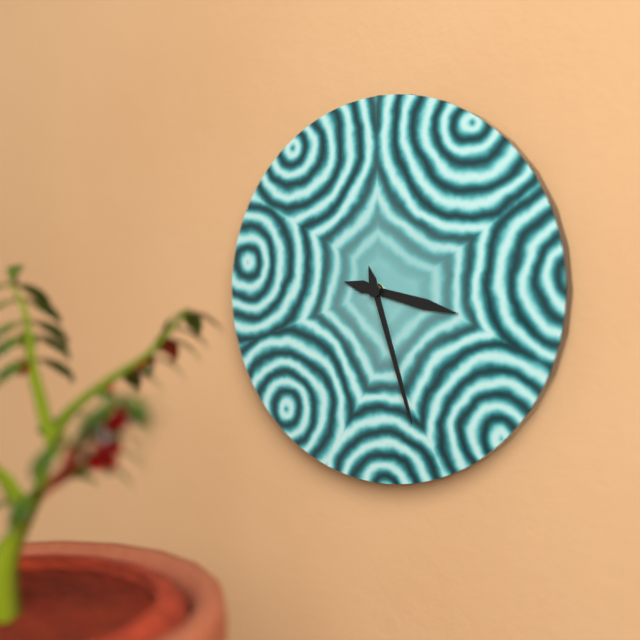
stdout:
3,27
